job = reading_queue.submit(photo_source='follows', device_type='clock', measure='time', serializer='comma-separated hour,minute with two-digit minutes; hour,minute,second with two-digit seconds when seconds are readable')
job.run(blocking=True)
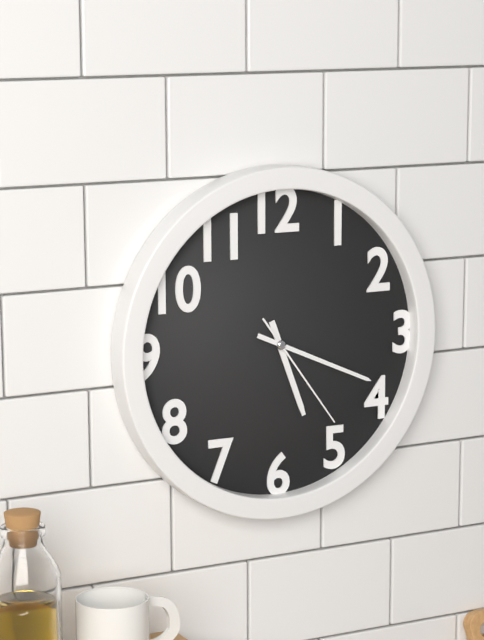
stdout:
5,19,24
